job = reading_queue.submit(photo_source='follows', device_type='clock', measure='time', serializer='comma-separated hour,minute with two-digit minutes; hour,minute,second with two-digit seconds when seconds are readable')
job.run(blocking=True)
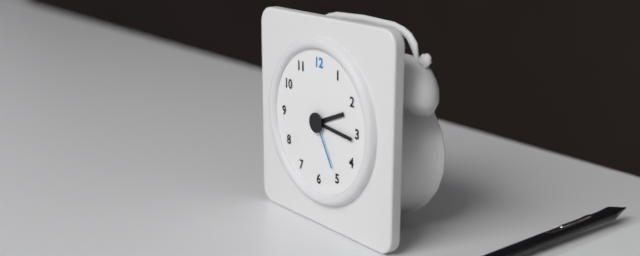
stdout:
2,16,25
